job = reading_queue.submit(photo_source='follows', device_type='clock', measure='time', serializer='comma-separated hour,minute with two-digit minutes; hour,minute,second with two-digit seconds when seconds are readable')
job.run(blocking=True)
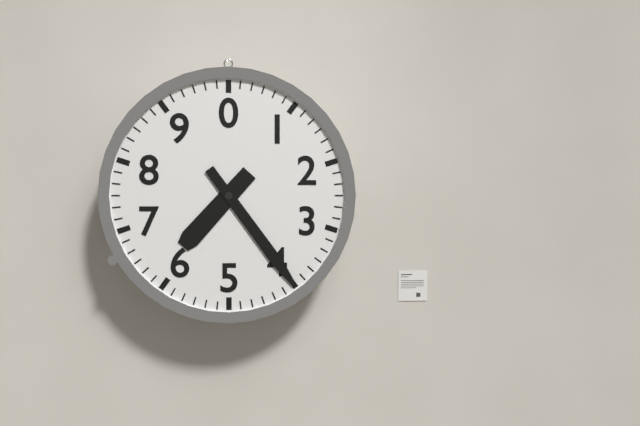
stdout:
7,24
